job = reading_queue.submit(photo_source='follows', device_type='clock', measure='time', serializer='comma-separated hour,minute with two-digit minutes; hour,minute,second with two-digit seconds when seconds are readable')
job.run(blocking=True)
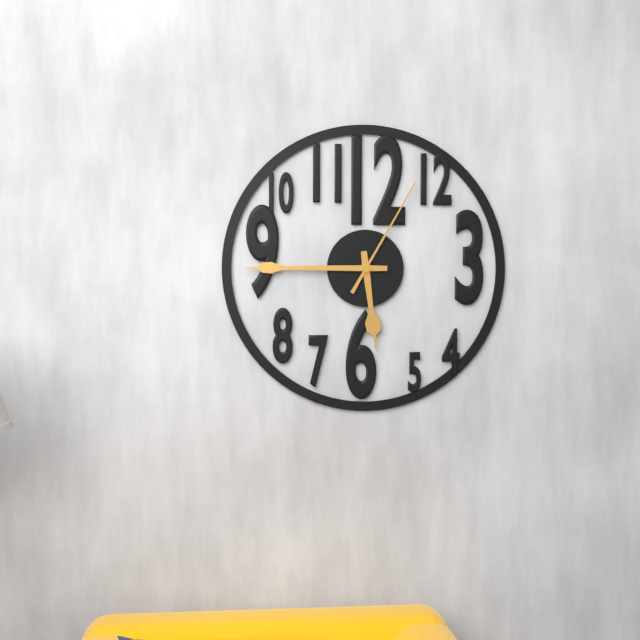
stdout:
5,45,05
